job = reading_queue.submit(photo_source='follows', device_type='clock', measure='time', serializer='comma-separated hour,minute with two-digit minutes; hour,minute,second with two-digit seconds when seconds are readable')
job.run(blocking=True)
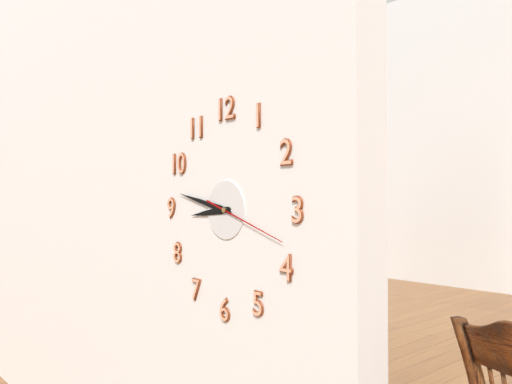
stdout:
8,47,18
